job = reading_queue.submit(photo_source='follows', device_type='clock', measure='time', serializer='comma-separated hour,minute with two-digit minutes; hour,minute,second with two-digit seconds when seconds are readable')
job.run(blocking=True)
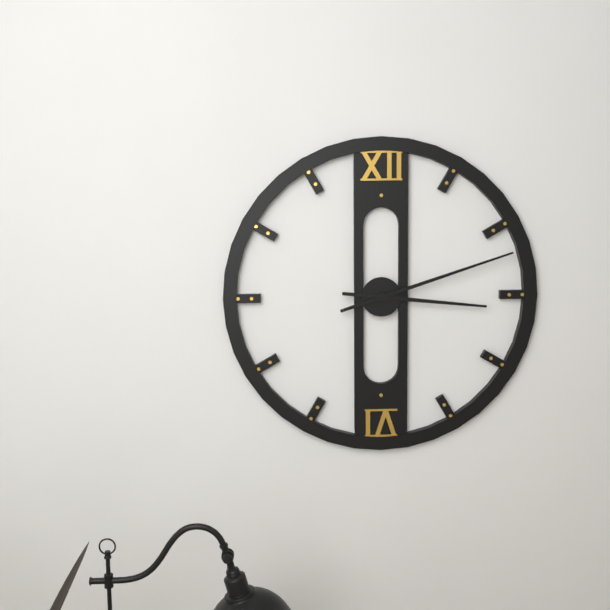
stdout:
3,12
